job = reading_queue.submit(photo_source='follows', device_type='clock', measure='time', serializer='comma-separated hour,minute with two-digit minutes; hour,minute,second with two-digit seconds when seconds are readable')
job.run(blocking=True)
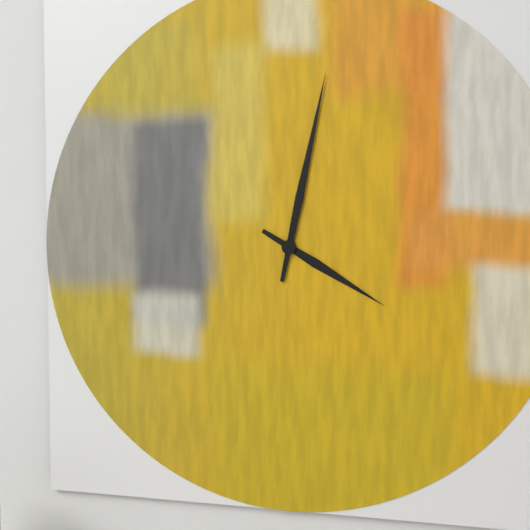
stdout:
4,02
